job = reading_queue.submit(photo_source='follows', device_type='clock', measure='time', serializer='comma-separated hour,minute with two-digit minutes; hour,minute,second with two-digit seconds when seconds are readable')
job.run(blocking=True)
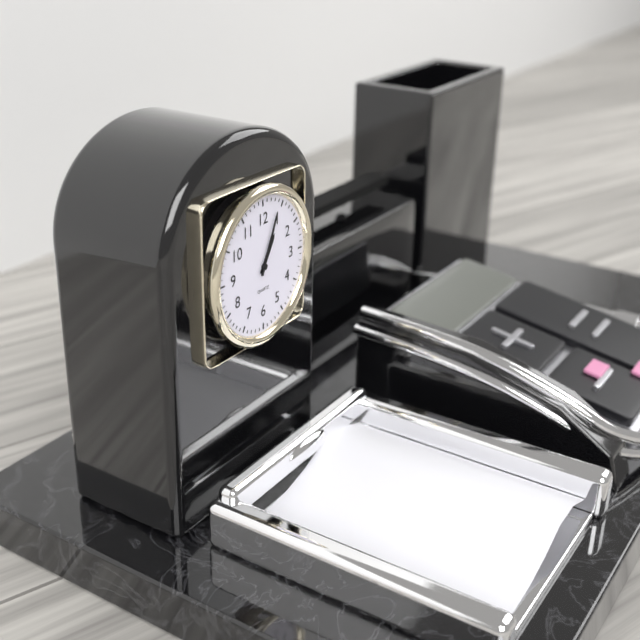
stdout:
1,04
